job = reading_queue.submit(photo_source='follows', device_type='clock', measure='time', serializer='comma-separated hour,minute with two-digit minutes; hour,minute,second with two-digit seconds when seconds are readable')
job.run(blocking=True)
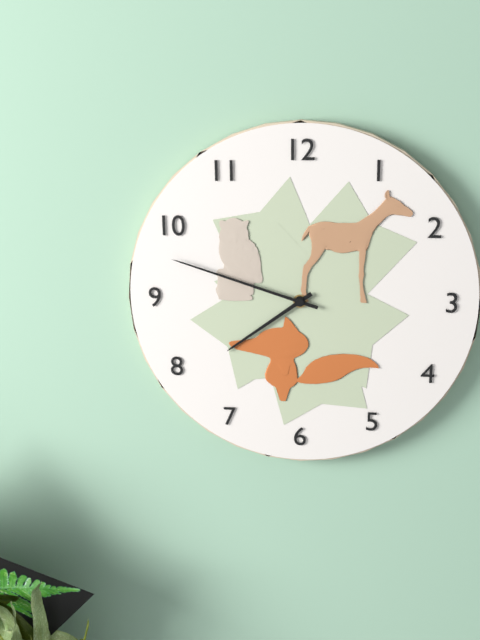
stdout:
7,48
